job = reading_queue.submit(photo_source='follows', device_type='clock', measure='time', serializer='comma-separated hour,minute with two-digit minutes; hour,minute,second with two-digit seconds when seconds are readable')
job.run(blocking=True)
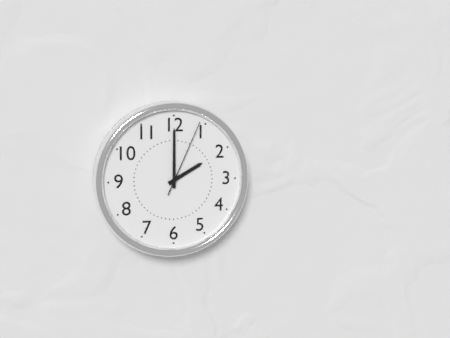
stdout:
2,00,04
